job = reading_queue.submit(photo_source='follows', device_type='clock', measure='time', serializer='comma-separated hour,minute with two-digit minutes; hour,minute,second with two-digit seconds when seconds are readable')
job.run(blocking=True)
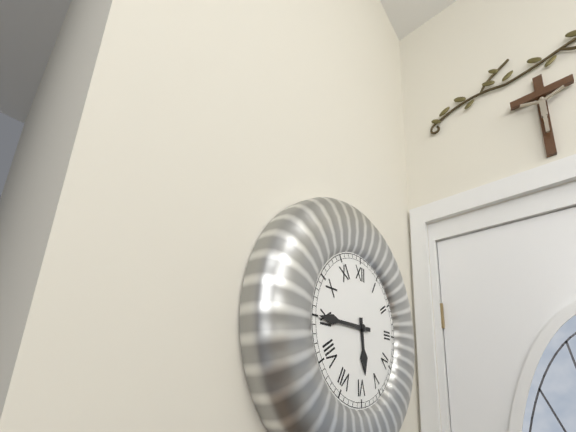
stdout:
5,45
